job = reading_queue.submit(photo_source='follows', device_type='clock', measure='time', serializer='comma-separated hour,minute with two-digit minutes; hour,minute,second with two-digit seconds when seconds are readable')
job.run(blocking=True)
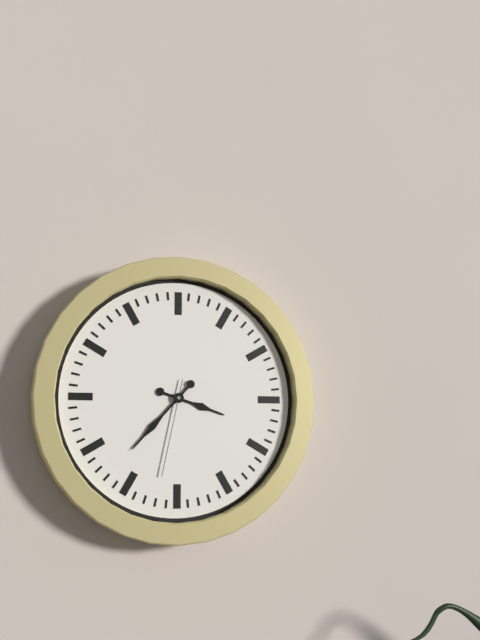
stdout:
3,37,32
